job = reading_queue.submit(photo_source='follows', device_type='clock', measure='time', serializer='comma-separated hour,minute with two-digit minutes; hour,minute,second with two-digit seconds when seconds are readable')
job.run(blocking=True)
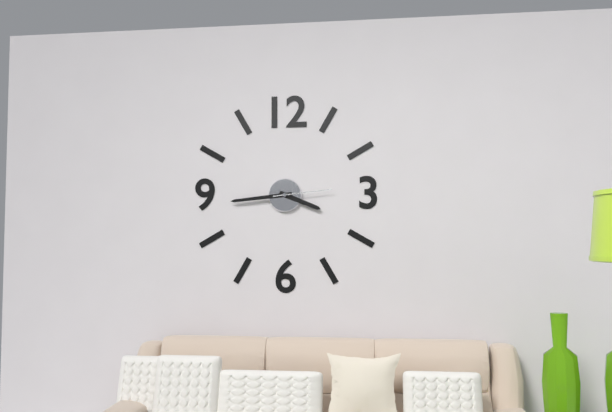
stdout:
3,44,14
